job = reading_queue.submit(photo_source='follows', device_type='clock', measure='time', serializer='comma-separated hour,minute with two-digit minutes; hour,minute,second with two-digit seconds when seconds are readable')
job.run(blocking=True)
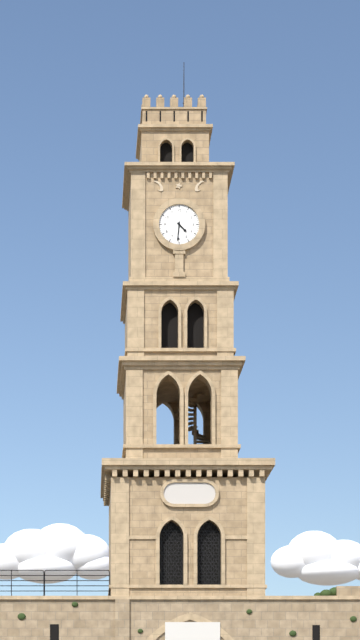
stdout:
4,31
